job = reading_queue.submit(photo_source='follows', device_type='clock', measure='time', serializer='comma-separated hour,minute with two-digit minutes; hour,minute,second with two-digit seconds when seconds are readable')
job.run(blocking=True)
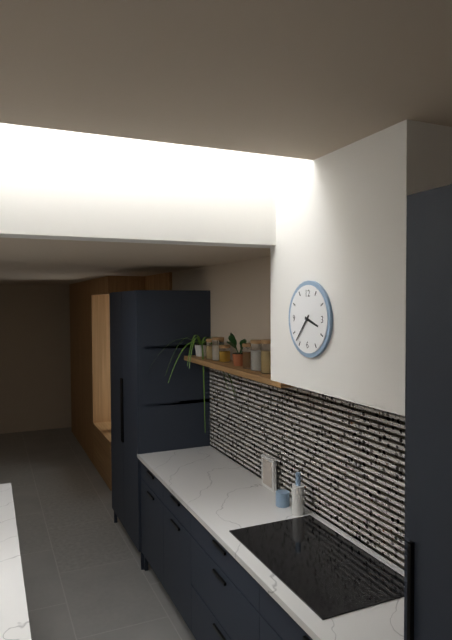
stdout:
3,37
